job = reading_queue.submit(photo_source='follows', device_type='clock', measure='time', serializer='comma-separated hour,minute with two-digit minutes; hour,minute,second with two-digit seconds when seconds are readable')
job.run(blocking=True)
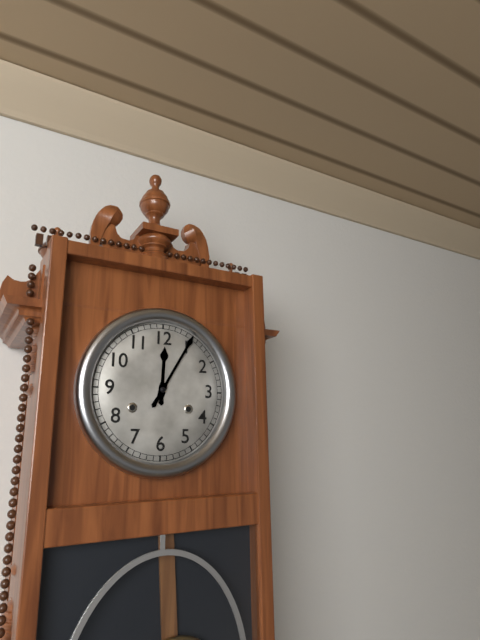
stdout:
12,05
